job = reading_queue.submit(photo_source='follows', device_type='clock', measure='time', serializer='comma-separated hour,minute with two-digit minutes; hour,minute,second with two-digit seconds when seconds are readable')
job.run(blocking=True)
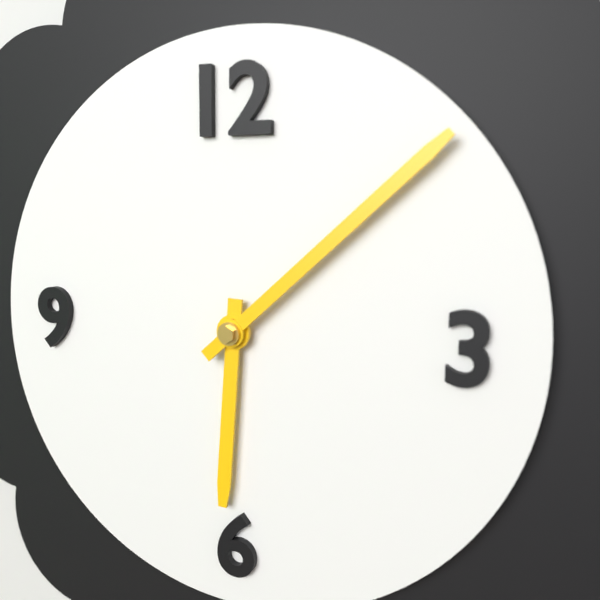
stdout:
6,08
